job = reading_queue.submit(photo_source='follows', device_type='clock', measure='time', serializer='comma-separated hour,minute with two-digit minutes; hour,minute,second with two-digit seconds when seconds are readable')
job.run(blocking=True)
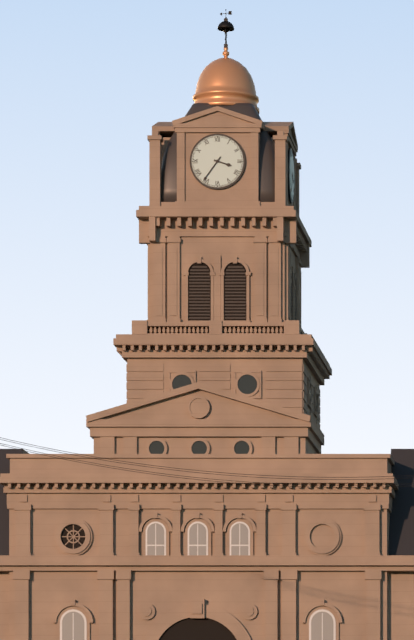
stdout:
3,36
